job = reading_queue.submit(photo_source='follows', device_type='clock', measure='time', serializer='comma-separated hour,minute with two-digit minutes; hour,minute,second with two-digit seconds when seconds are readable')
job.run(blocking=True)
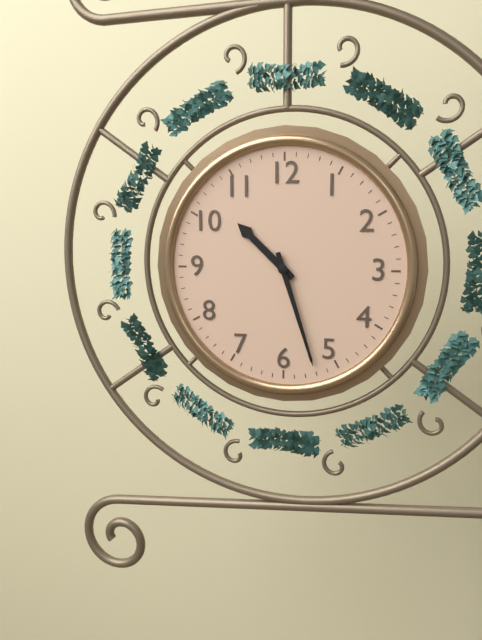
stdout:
10,27
